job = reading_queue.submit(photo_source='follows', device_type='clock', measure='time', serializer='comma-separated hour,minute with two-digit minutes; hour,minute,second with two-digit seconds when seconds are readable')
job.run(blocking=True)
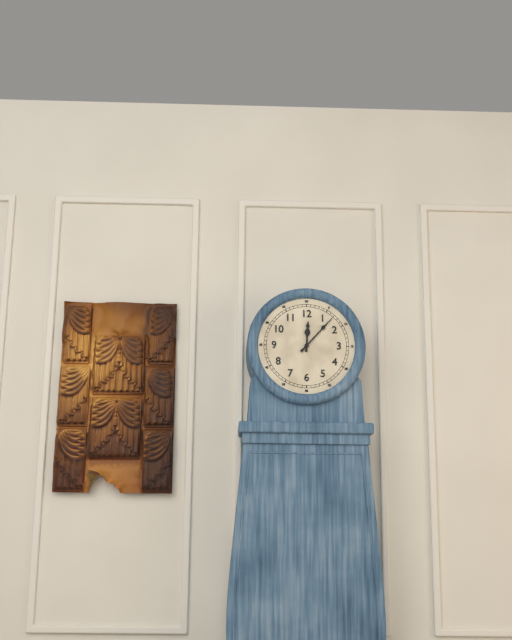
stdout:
12,07
